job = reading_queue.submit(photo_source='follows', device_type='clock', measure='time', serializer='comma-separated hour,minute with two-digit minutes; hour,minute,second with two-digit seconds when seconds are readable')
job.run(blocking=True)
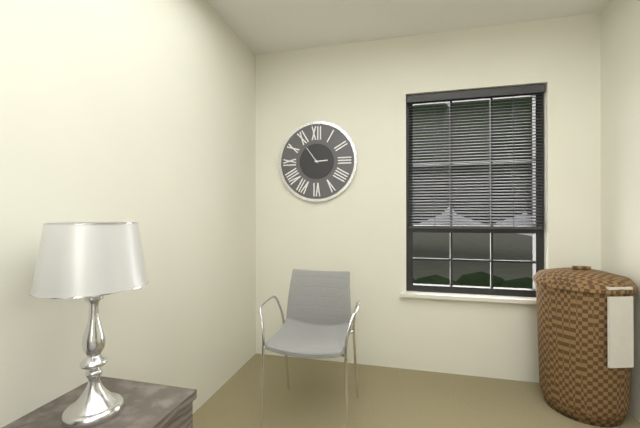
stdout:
2,54
